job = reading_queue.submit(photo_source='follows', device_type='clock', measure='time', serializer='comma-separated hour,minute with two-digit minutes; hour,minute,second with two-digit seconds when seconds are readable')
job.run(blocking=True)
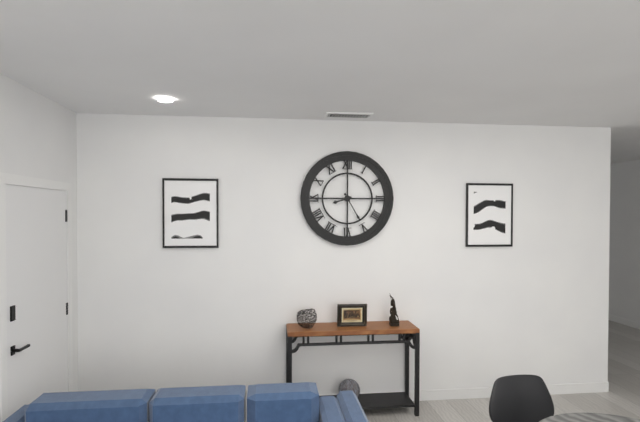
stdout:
8,25
